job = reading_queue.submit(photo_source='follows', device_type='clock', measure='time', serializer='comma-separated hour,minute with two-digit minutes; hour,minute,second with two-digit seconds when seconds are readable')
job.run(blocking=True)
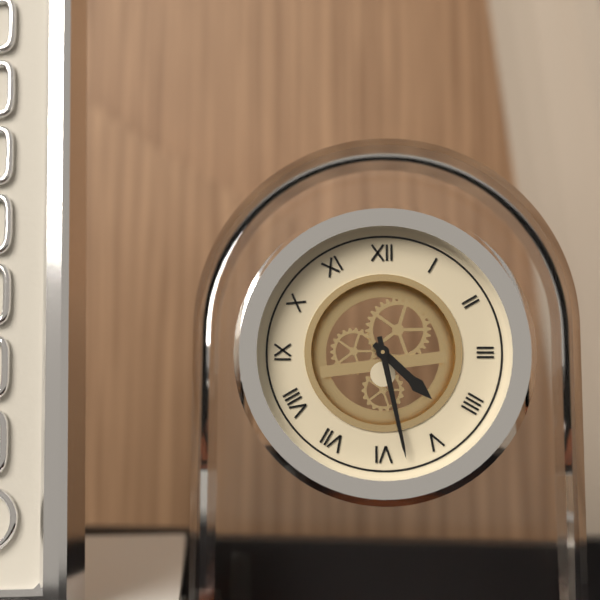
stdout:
4,28
